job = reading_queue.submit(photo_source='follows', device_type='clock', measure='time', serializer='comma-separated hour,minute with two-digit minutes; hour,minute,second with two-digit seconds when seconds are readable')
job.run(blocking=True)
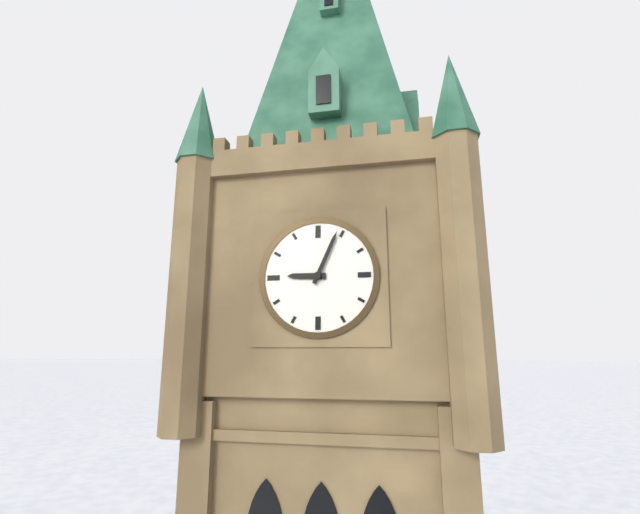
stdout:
9,04
